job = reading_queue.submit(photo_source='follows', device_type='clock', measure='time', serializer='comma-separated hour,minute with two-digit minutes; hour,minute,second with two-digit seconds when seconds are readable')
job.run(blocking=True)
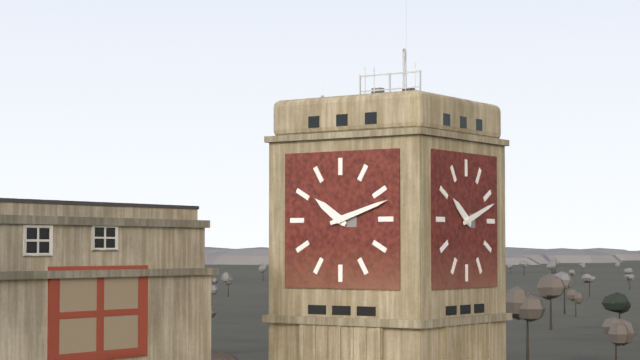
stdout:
10,12
